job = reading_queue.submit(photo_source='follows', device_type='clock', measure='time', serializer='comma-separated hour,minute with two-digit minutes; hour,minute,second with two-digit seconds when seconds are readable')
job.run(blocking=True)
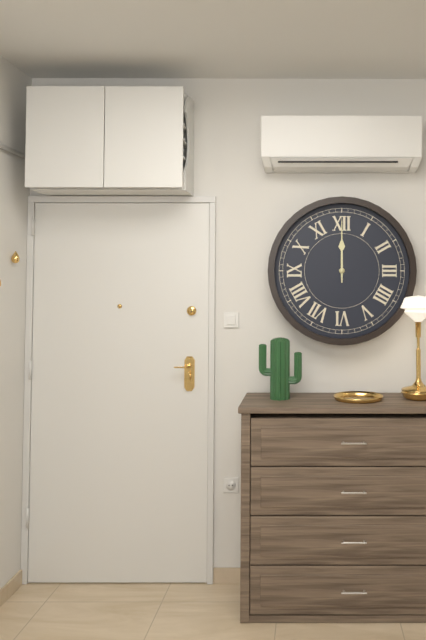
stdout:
12,00
